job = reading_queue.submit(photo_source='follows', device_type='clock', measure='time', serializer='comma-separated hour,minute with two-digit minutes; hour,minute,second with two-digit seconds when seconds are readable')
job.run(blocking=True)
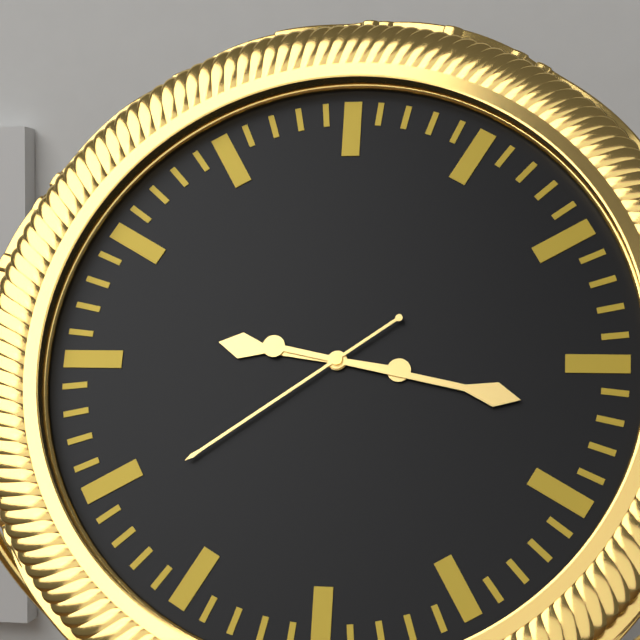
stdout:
9,17,39
